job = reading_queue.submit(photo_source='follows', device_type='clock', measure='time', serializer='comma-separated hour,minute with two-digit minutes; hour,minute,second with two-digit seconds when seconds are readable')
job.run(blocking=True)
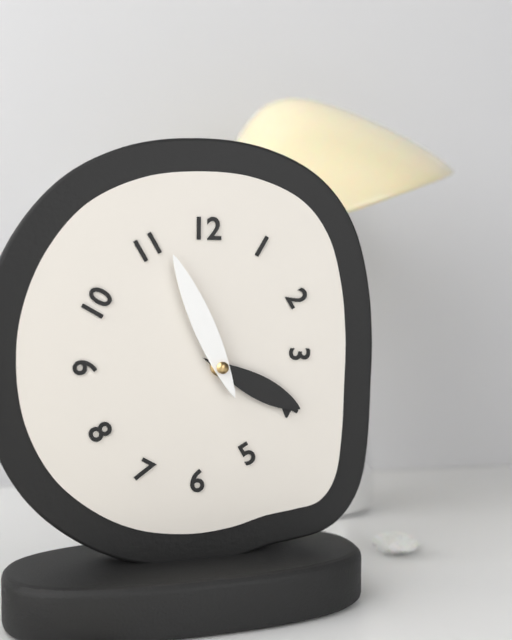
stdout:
3,56
